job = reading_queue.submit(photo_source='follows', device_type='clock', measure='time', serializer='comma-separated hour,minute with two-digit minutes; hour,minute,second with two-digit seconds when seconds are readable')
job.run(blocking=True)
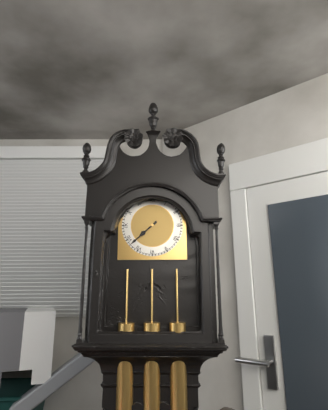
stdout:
7,38
